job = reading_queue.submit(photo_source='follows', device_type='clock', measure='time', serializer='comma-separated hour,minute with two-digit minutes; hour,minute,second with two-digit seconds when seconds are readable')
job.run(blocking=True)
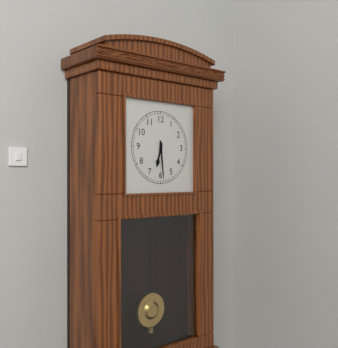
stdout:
6,29
